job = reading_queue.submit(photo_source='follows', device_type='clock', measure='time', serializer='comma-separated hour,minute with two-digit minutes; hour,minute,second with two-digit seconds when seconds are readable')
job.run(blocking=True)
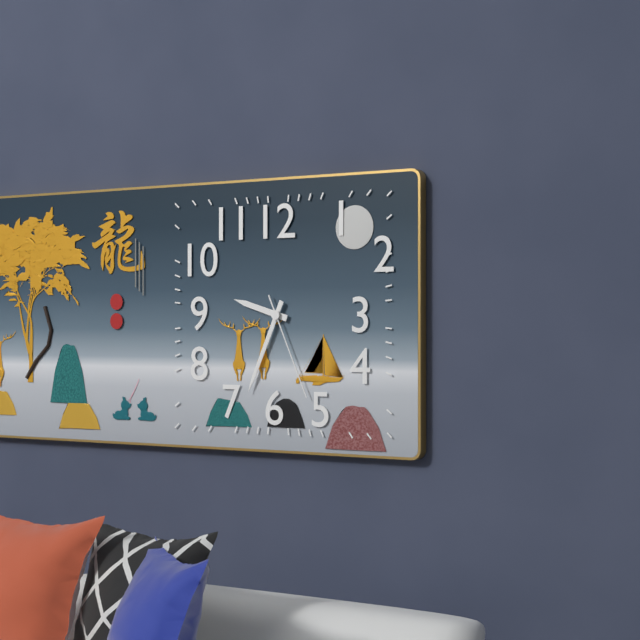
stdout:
9,34,26
